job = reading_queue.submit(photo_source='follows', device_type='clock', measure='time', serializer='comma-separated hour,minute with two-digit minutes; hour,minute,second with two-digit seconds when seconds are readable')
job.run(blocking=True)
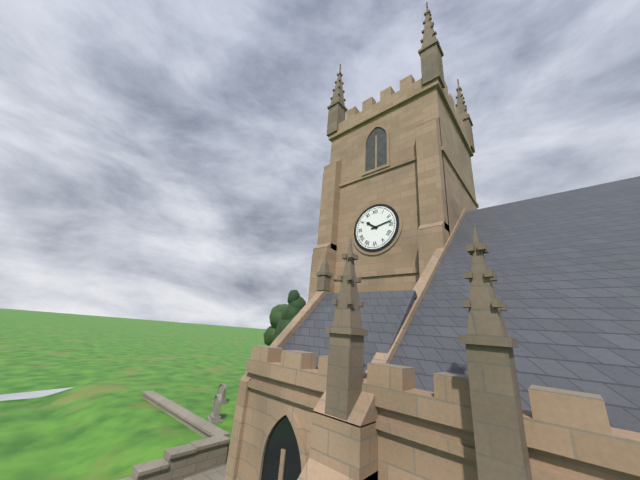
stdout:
10,13
